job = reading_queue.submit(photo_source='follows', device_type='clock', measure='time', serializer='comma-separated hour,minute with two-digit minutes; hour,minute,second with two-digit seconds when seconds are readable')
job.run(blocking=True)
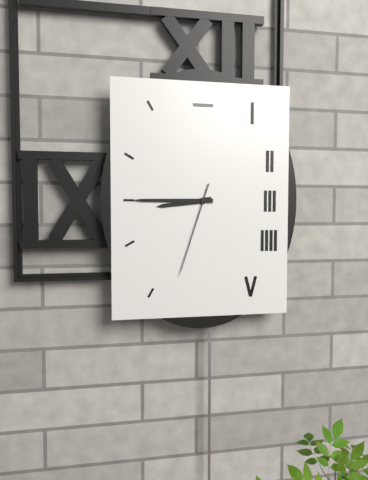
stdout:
8,45,33
